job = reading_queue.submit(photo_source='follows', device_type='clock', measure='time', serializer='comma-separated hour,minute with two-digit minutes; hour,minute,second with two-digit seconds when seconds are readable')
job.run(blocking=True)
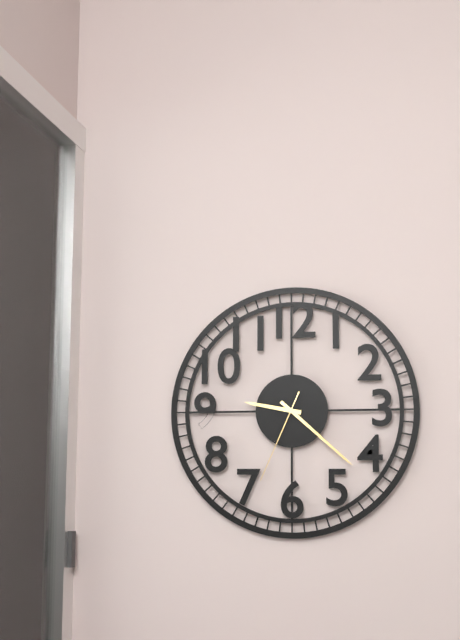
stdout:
9,22,34
